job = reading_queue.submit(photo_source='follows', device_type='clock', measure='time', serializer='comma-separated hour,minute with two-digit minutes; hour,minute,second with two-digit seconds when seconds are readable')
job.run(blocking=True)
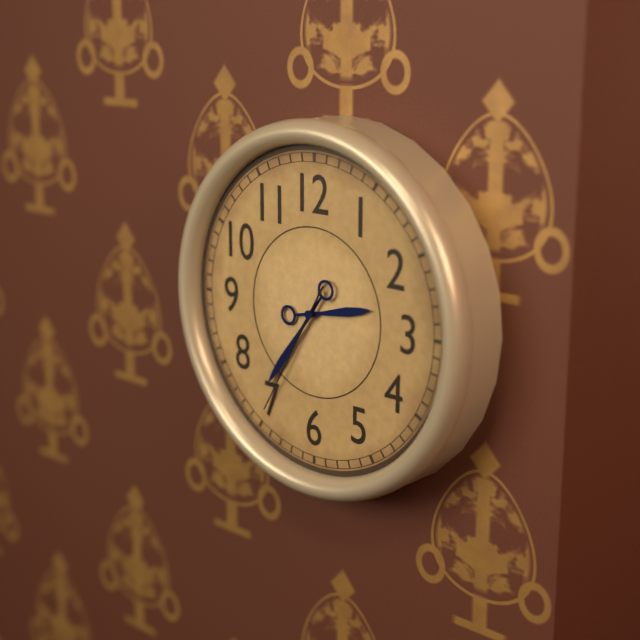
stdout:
2,36,35
